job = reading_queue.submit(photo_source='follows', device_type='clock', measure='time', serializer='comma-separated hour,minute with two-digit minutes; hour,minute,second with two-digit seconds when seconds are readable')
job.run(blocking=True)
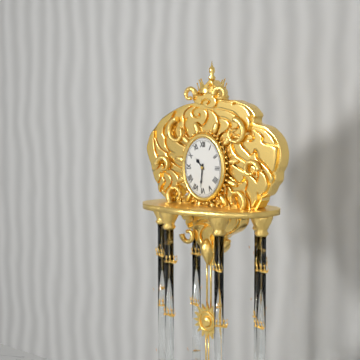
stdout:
10,31
